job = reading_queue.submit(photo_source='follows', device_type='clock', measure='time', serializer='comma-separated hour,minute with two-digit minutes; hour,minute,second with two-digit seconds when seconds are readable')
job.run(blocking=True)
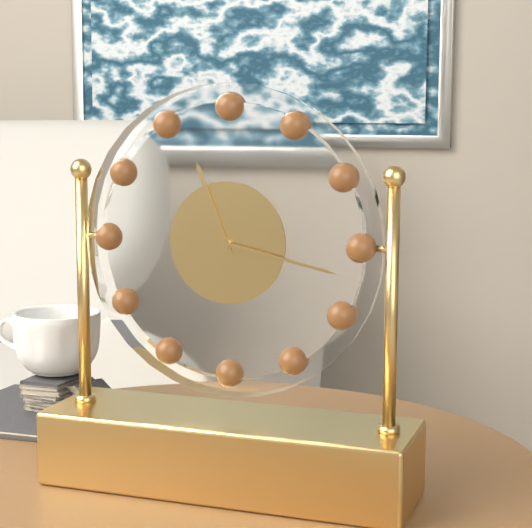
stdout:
11,17
